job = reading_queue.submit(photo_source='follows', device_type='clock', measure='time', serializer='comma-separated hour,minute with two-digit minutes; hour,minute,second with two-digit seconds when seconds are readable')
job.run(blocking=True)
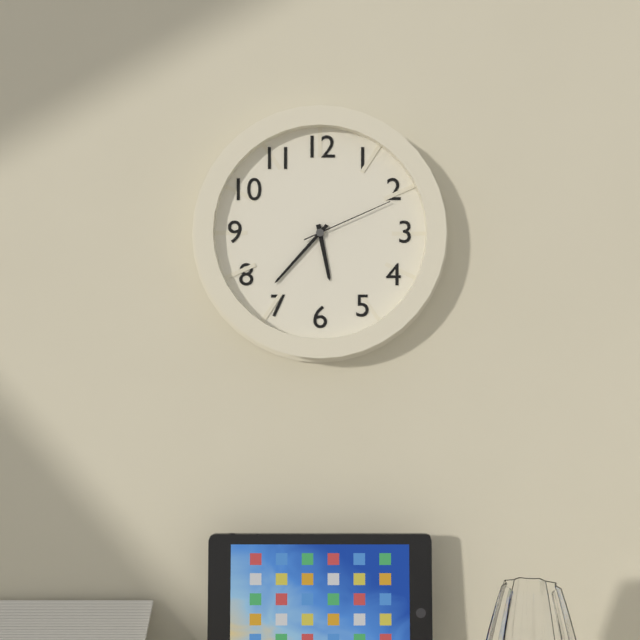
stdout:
5,37,11
